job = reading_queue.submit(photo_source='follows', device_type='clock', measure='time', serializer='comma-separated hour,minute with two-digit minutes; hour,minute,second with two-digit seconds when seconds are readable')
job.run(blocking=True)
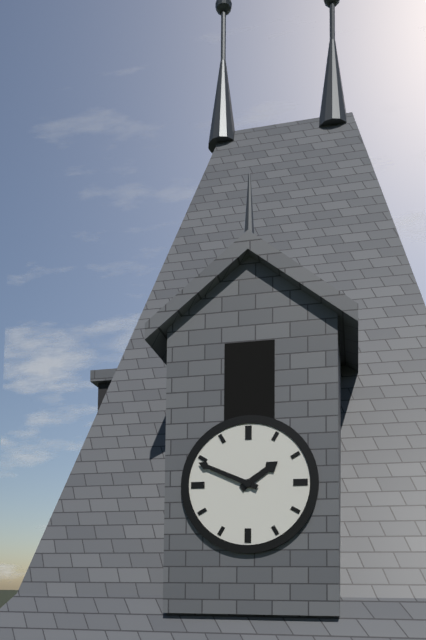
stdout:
1,49
